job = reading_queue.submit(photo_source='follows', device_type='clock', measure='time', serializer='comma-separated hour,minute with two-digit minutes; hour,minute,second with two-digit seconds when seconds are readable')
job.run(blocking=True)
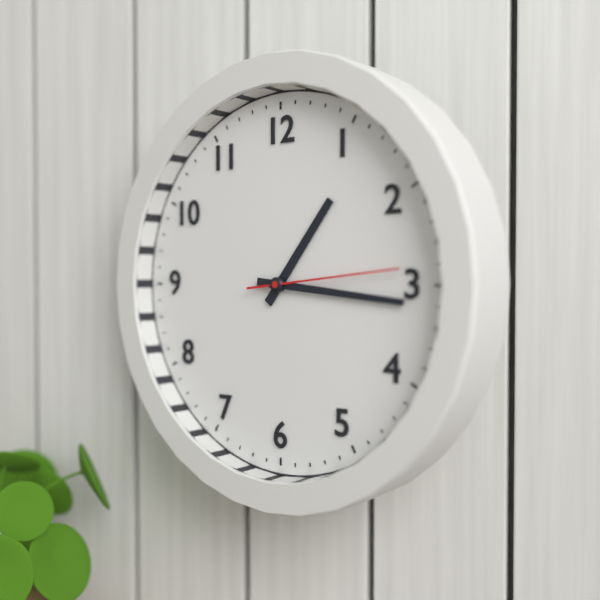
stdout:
1,16,14
